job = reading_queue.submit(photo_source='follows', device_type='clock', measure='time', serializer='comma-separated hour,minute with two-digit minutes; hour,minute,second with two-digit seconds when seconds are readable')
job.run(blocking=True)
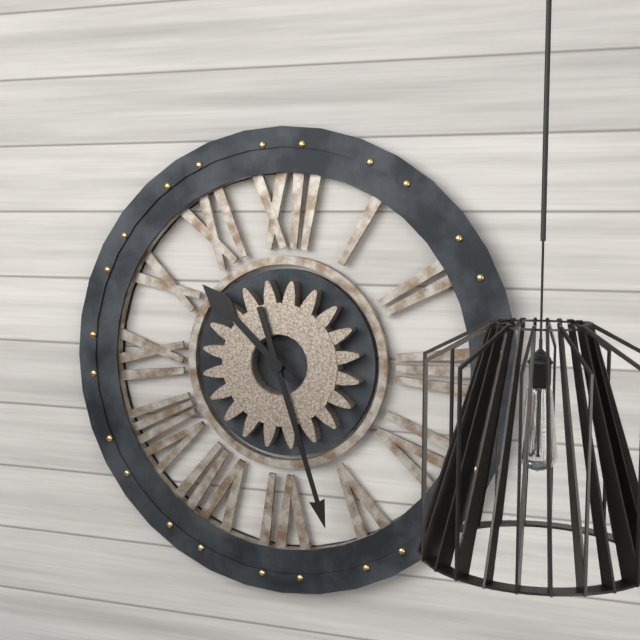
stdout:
10,27
